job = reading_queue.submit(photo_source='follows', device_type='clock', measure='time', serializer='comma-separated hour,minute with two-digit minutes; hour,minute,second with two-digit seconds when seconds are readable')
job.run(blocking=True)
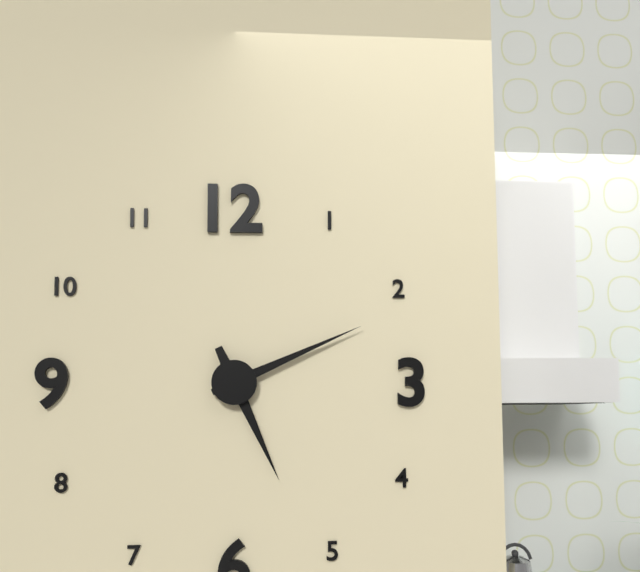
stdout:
5,11
